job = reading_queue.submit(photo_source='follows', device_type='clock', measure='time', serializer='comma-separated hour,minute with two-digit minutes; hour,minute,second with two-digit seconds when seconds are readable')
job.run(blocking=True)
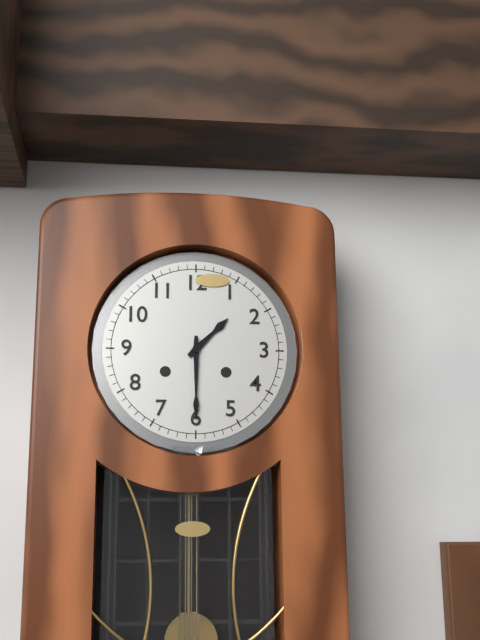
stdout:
1,30
